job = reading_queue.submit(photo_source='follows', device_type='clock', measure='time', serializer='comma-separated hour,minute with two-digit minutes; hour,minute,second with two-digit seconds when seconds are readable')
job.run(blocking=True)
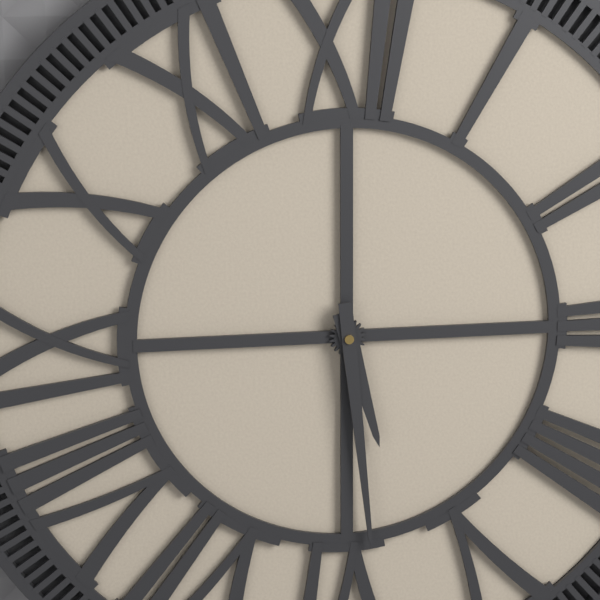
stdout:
5,29
